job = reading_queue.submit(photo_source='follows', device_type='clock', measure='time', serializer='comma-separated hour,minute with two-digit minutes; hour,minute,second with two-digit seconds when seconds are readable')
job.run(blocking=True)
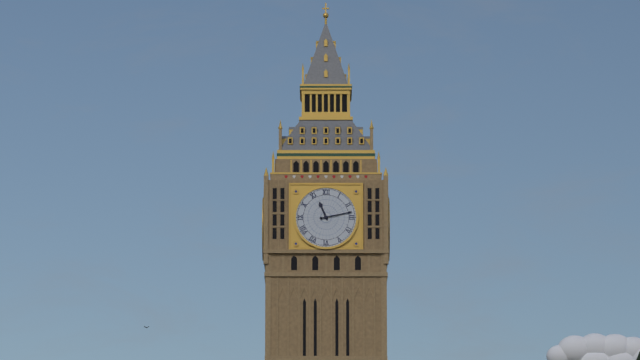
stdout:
11,13
